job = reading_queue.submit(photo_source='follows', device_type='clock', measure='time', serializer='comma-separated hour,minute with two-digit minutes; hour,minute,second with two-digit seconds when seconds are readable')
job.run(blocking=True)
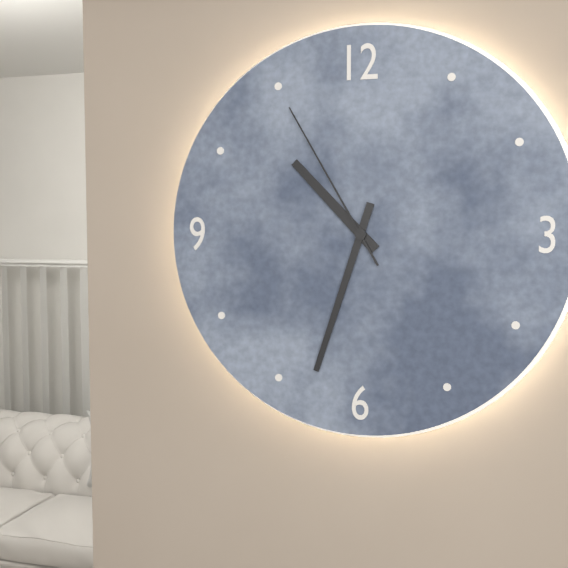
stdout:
10,33,55
